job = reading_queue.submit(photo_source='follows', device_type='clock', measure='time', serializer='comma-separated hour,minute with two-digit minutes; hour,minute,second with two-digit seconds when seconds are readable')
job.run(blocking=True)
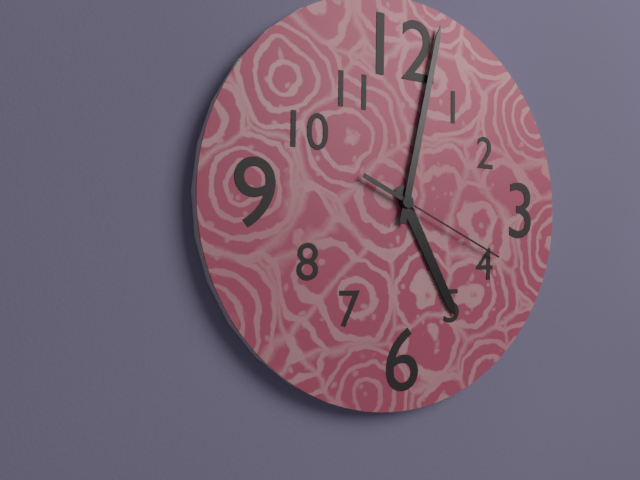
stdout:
5,02,19
